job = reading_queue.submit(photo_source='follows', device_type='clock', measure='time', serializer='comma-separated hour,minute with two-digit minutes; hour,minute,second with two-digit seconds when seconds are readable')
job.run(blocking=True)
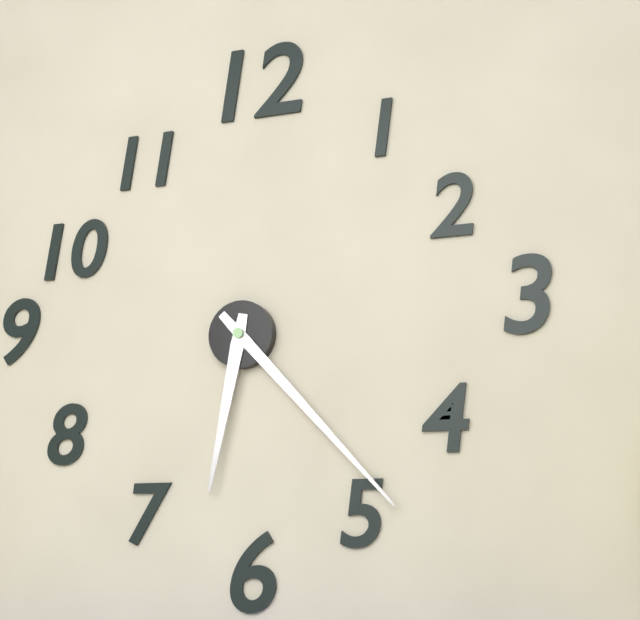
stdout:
6,23
